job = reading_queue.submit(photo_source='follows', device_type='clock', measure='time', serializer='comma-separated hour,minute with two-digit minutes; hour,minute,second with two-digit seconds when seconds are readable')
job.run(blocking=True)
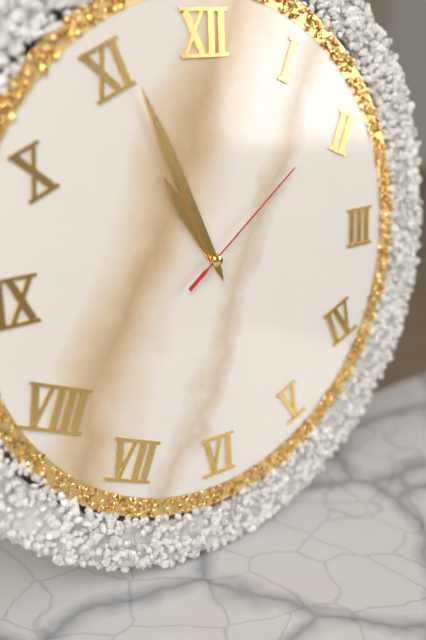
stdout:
10,56,09
